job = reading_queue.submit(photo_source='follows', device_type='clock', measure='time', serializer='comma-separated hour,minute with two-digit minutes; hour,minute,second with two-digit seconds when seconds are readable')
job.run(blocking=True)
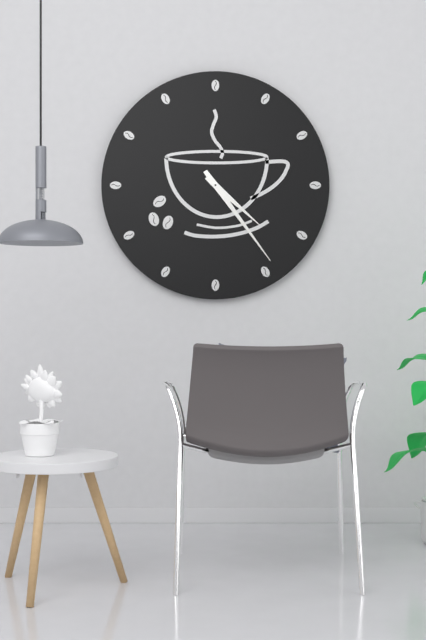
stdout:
4,24
